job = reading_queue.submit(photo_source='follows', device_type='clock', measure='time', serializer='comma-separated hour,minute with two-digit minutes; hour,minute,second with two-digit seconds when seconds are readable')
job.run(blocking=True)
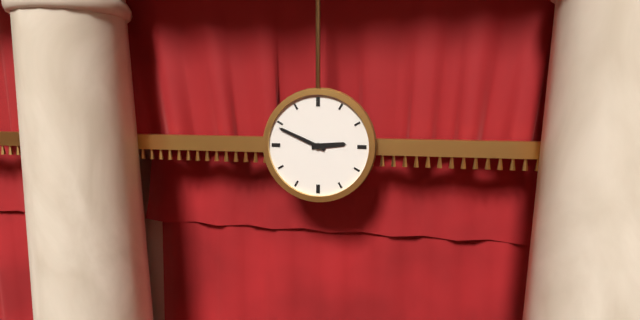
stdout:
2,49
